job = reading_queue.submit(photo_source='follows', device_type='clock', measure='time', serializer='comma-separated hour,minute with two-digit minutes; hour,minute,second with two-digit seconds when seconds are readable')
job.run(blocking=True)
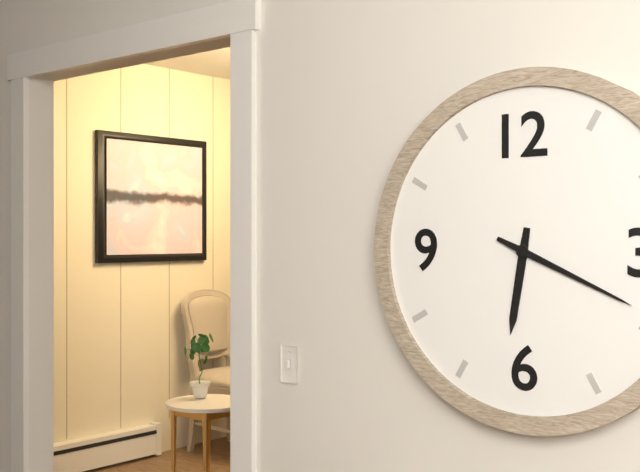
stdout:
6,19
